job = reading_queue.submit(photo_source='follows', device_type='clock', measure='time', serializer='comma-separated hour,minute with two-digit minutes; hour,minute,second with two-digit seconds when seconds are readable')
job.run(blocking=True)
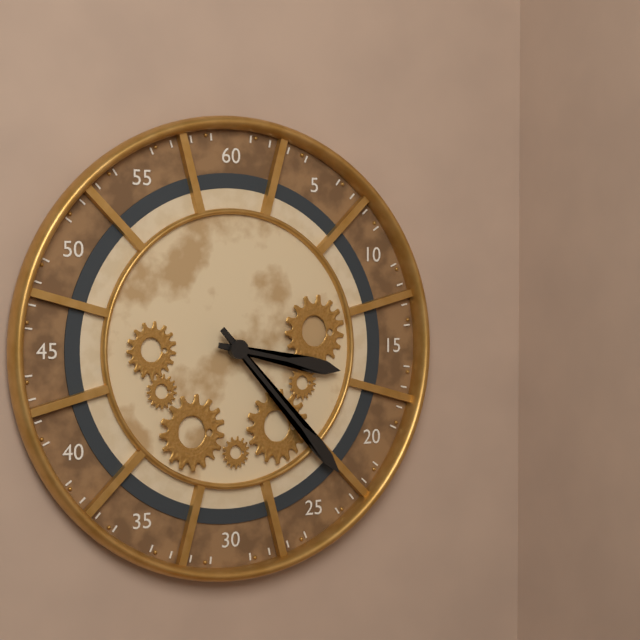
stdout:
3,23
